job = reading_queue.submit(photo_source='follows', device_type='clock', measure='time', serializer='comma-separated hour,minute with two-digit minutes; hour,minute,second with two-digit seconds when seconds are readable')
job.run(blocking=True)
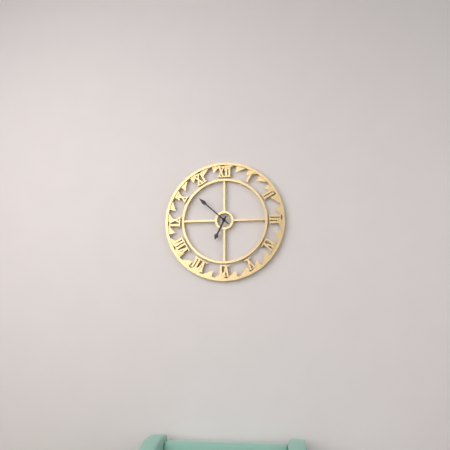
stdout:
6,52
